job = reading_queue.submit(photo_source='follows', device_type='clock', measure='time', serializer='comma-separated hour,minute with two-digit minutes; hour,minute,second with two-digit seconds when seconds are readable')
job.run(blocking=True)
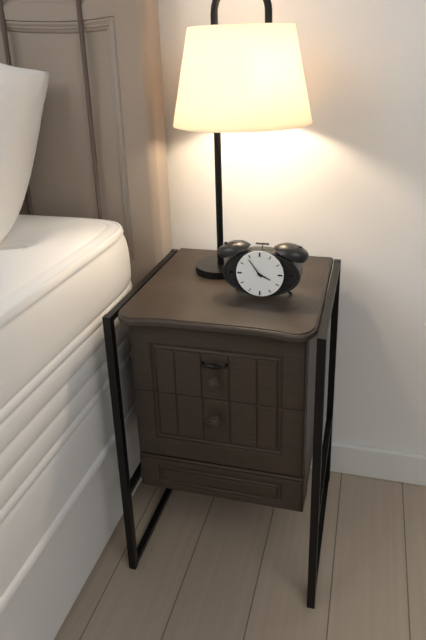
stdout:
3,54
